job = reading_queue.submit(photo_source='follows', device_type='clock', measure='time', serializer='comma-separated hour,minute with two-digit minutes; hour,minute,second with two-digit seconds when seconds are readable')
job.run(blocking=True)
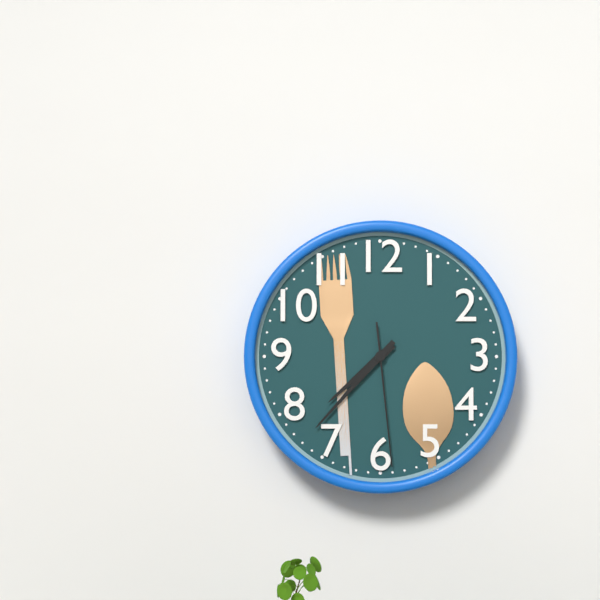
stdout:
7,37,29
